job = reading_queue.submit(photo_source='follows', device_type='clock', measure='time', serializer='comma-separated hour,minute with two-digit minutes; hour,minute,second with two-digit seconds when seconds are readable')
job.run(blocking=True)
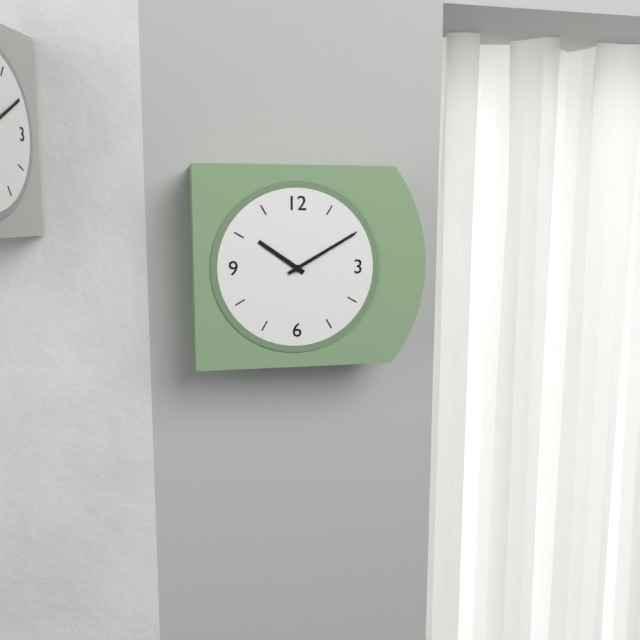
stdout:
10,10
